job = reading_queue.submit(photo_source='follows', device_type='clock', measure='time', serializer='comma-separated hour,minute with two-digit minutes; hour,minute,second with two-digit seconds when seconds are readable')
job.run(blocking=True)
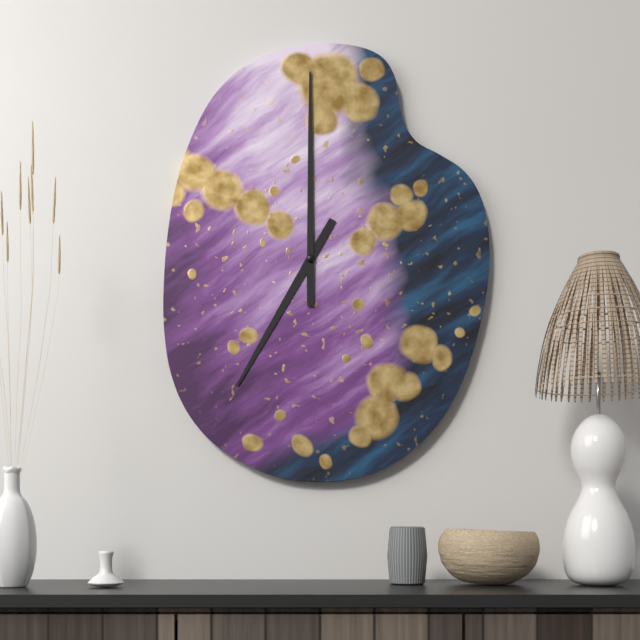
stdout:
7,00
